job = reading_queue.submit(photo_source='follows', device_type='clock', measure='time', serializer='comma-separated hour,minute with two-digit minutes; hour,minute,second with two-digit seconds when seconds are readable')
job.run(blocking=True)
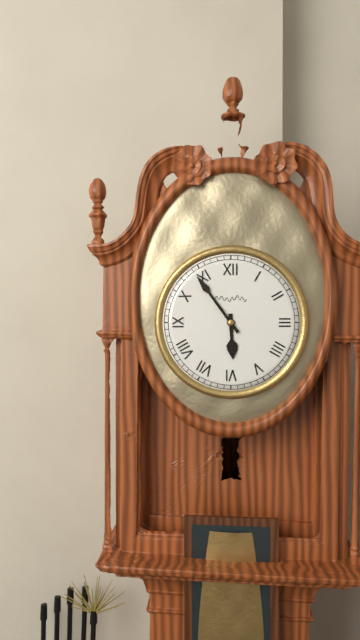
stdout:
5,54
